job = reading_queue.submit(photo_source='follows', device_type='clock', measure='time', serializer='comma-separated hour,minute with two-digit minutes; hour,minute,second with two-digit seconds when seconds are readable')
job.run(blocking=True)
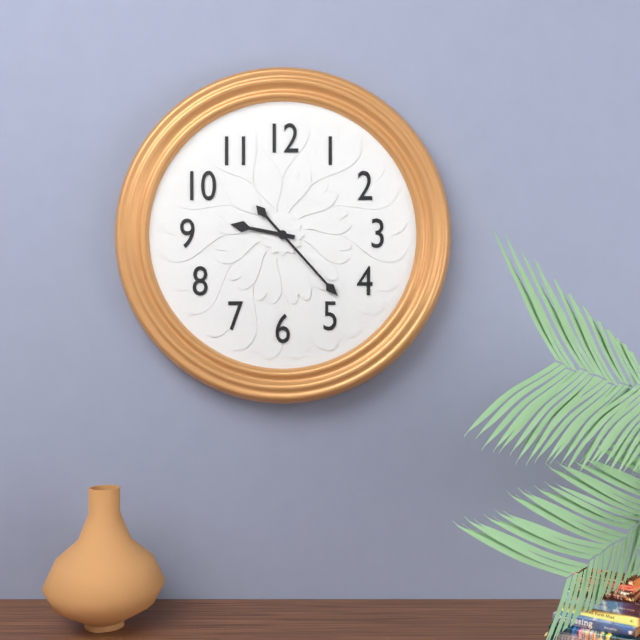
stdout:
9,23
